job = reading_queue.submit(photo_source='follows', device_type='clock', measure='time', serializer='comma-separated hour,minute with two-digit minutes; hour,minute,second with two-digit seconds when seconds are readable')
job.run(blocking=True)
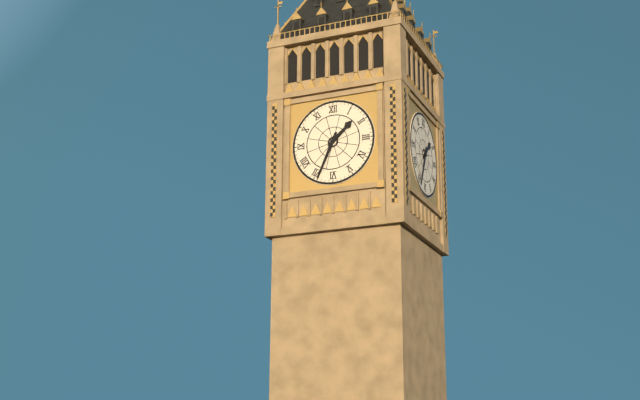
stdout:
1,34
